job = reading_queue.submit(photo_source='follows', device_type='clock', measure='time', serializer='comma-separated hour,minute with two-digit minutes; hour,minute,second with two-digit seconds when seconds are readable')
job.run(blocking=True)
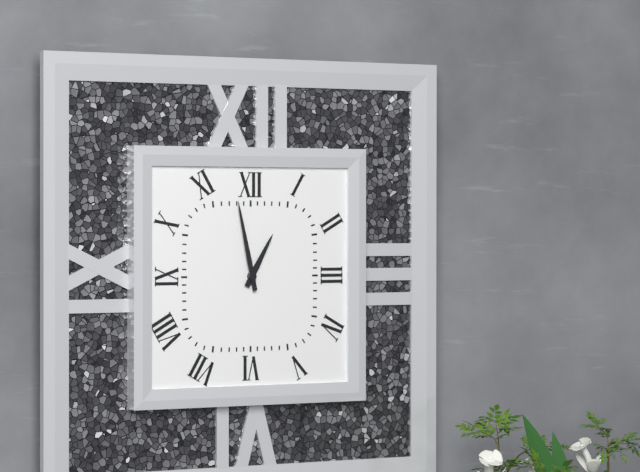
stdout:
12,58
